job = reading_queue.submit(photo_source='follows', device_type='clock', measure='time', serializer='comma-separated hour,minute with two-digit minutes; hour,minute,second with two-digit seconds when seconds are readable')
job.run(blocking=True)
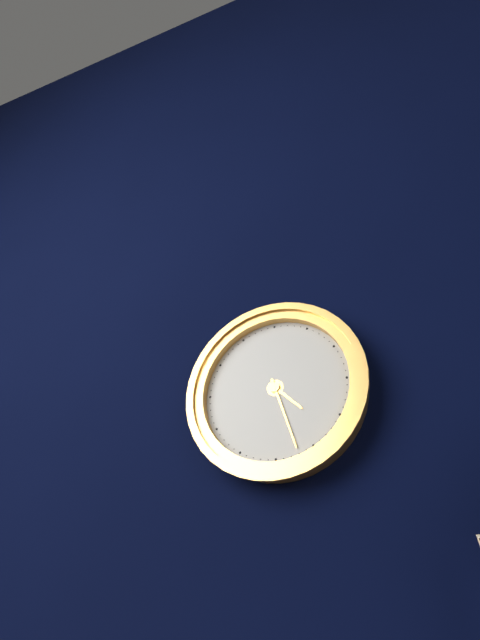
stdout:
4,27
